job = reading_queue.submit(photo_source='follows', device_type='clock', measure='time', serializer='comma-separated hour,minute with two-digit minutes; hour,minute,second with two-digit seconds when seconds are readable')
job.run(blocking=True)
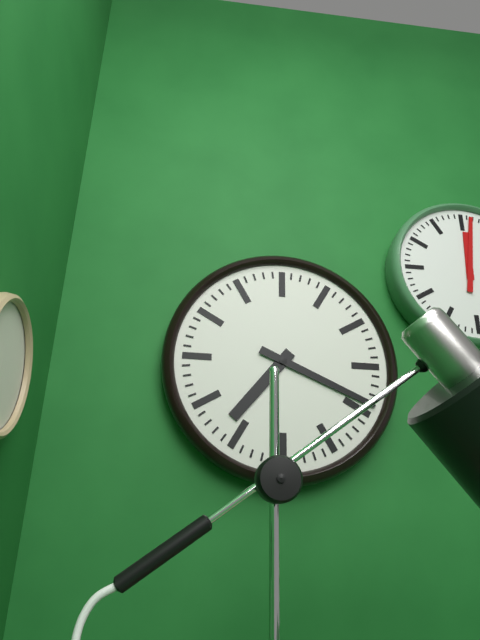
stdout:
7,19
